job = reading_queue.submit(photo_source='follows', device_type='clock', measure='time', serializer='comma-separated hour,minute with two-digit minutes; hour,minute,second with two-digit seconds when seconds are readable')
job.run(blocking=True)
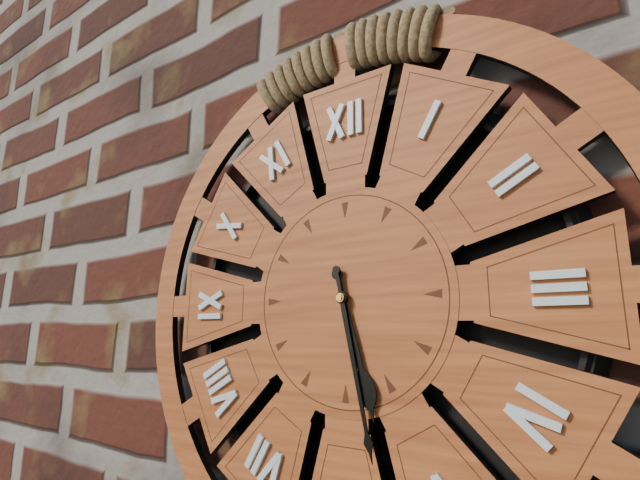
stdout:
5,28
